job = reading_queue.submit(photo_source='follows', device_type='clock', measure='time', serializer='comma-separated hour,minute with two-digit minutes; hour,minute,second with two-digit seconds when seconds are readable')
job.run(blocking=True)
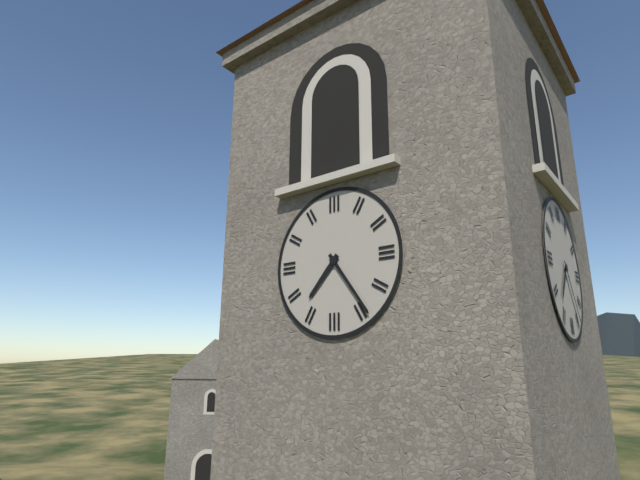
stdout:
7,24
